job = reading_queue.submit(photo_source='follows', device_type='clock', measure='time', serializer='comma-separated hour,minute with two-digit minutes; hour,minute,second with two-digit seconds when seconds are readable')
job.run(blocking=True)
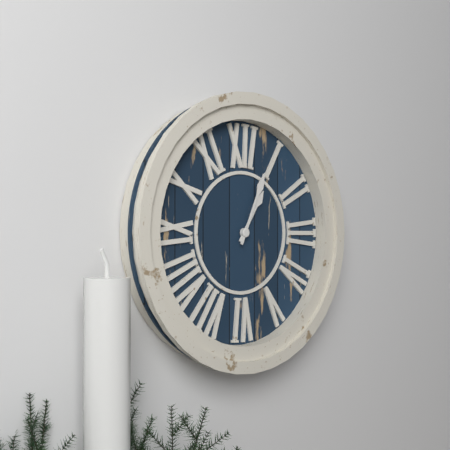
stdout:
1,04
